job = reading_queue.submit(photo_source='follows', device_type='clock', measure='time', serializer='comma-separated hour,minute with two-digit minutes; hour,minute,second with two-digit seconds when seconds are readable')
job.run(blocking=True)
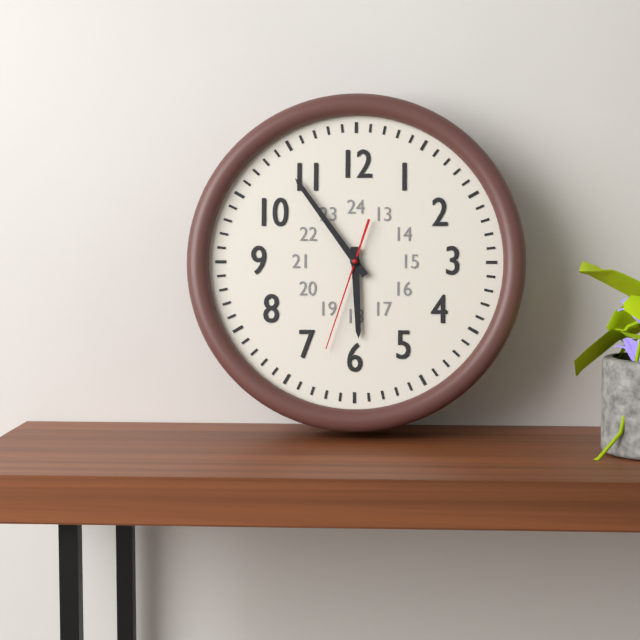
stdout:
5,54,33
